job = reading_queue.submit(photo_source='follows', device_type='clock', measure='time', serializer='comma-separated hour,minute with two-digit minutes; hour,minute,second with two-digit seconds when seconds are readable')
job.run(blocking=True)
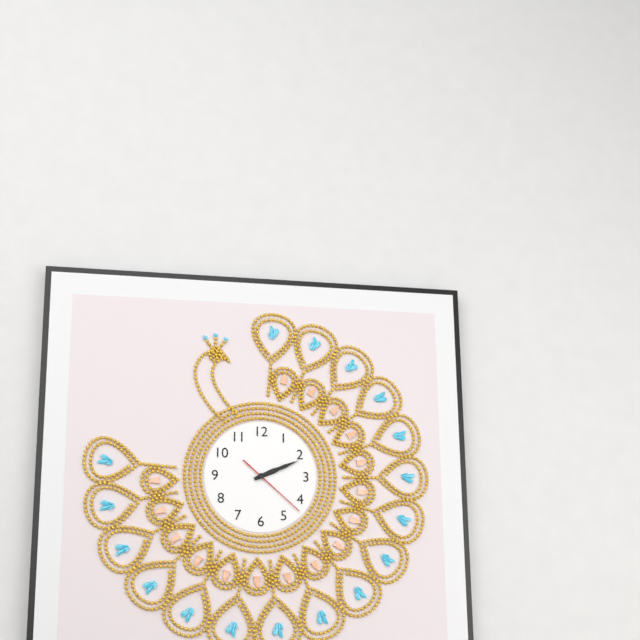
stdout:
2,11,22
